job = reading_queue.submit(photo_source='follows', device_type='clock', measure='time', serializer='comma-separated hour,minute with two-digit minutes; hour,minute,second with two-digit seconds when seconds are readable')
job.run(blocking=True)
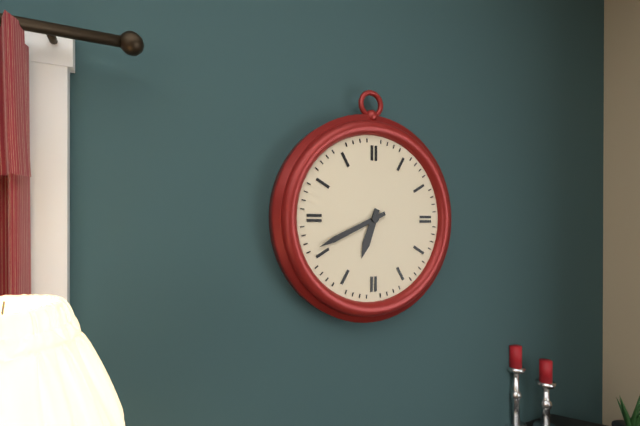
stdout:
6,41
